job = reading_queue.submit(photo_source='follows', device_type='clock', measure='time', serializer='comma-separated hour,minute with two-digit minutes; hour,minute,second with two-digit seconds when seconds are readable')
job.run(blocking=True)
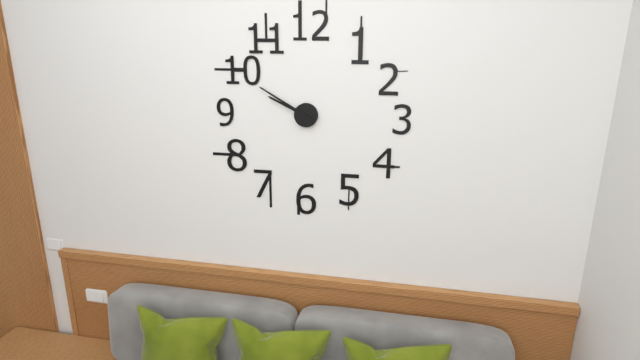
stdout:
9,50
